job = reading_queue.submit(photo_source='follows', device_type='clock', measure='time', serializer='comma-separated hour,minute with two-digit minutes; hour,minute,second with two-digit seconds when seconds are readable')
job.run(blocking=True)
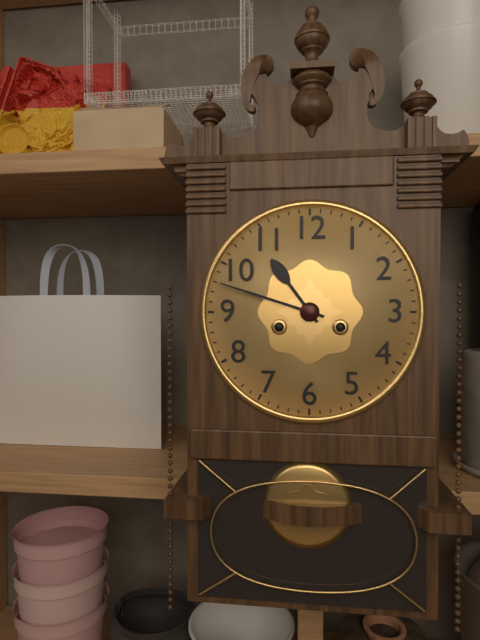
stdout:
10,48
